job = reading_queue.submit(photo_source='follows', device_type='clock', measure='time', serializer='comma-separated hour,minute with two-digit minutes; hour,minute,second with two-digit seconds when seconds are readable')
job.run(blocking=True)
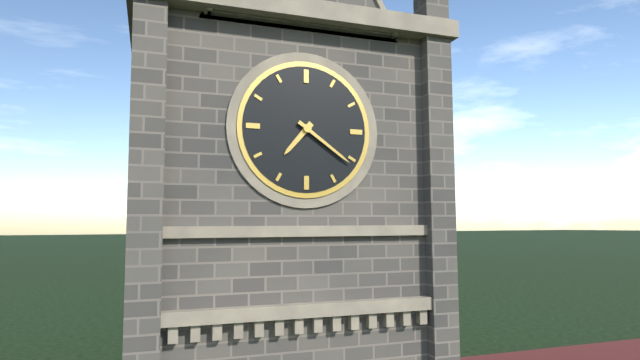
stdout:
7,21
